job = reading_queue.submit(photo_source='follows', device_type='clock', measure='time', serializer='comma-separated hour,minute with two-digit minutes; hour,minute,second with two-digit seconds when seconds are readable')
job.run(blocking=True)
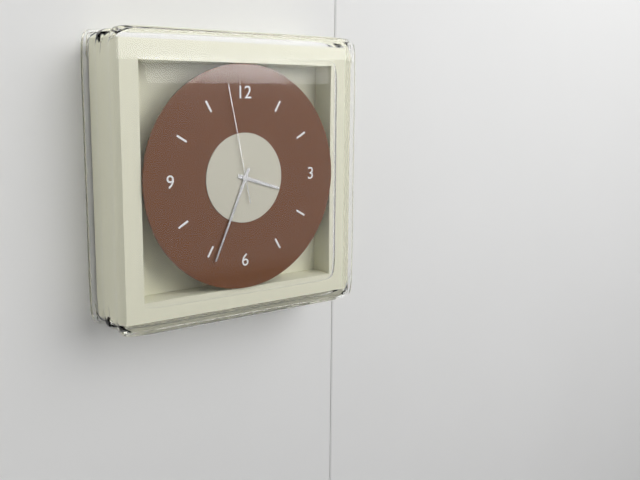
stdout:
3,34,58
